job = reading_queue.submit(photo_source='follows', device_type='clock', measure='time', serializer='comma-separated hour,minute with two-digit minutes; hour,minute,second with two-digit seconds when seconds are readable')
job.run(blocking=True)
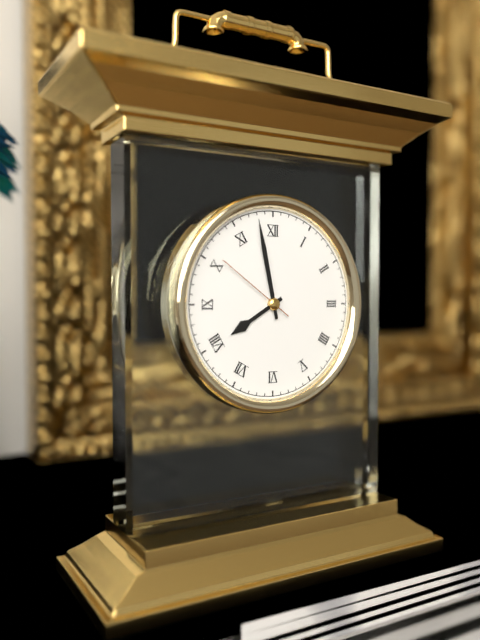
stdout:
7,58,51
